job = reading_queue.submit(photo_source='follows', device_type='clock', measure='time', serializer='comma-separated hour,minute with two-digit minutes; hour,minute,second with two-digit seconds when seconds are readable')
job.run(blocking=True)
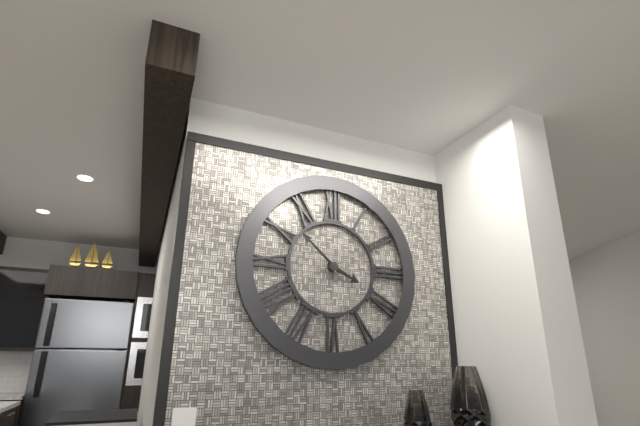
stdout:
3,52
